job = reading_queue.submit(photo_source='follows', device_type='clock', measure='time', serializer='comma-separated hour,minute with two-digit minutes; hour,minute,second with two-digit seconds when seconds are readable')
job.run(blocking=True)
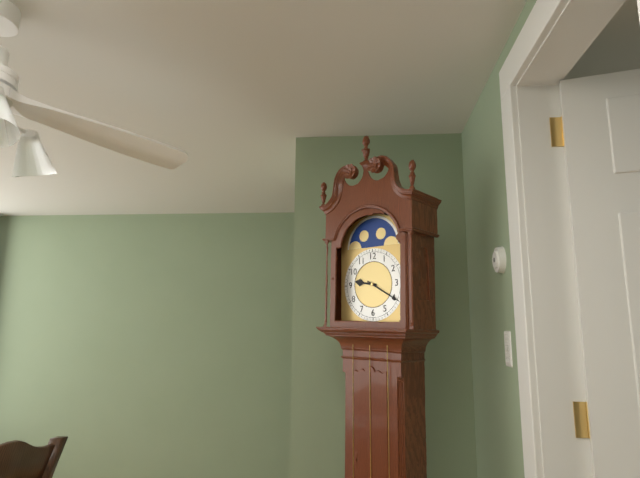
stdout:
9,20
